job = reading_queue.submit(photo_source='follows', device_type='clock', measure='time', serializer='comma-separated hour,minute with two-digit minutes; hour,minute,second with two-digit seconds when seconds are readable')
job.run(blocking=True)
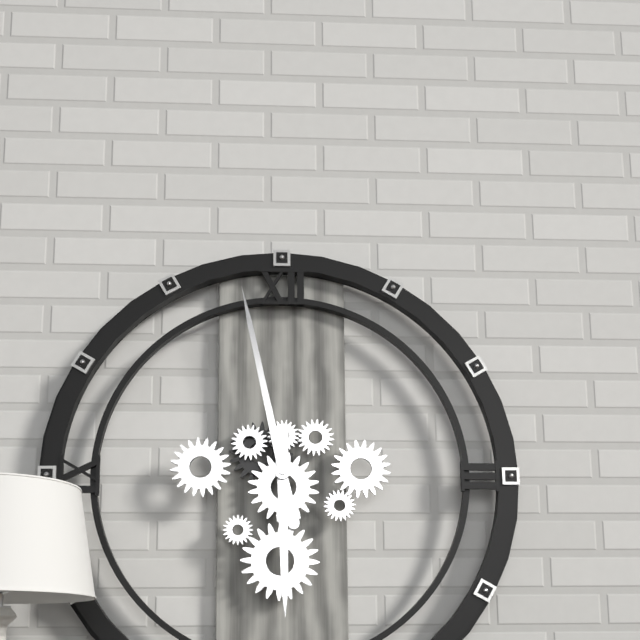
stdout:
5,58
